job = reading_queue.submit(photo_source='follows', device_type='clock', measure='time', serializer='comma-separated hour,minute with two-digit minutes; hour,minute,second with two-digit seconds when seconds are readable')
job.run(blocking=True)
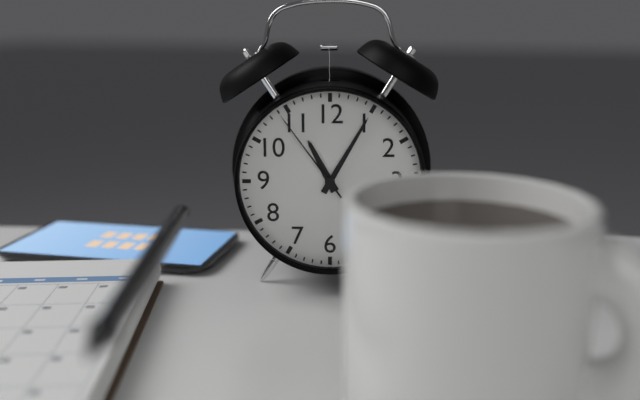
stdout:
11,05,54
